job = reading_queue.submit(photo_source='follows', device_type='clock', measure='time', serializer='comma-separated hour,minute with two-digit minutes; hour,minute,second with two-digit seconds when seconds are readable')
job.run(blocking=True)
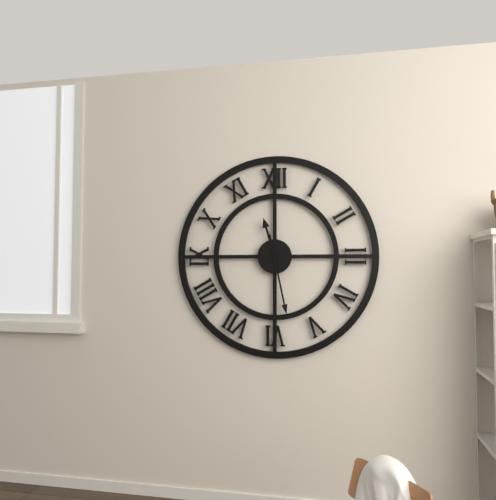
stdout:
11,28
